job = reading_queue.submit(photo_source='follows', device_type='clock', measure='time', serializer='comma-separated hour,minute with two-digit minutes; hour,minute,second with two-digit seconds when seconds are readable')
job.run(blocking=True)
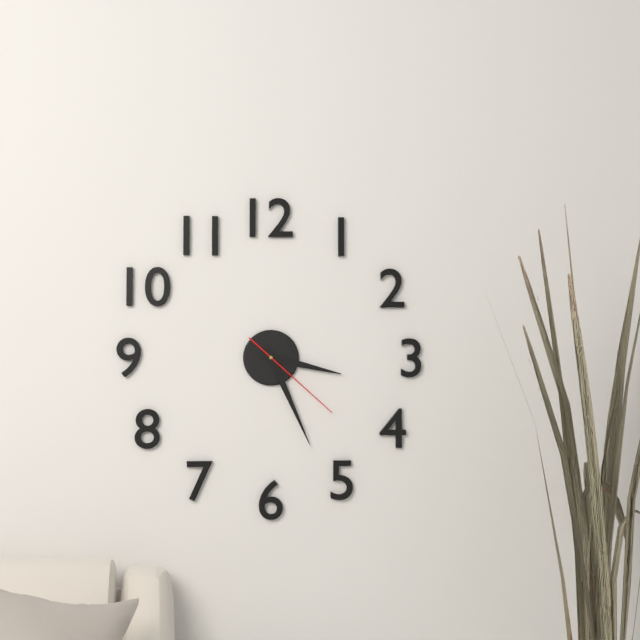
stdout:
3,26,22
